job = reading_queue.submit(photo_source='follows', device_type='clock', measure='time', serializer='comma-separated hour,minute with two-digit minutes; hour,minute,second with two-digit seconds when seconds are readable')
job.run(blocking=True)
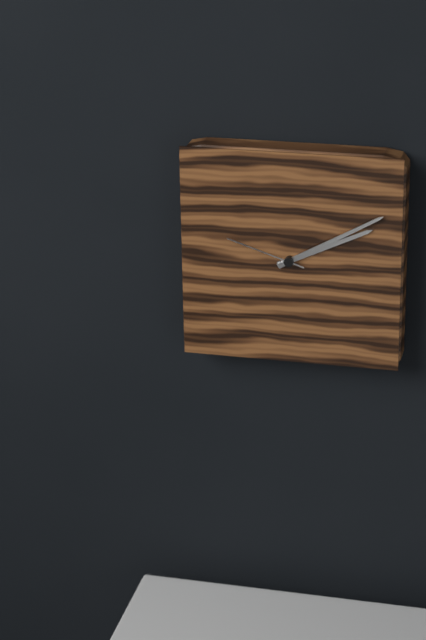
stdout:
2,10,48
